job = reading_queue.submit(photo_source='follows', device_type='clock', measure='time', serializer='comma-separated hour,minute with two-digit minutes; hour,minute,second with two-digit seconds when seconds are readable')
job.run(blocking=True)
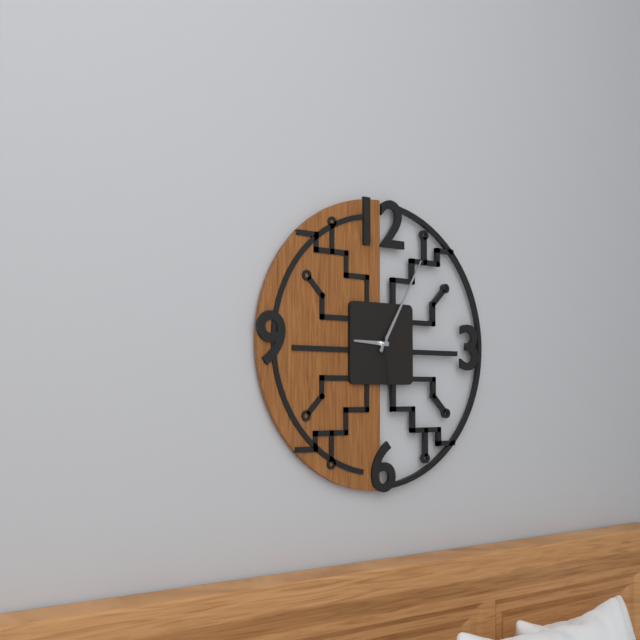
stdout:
9,05,29
